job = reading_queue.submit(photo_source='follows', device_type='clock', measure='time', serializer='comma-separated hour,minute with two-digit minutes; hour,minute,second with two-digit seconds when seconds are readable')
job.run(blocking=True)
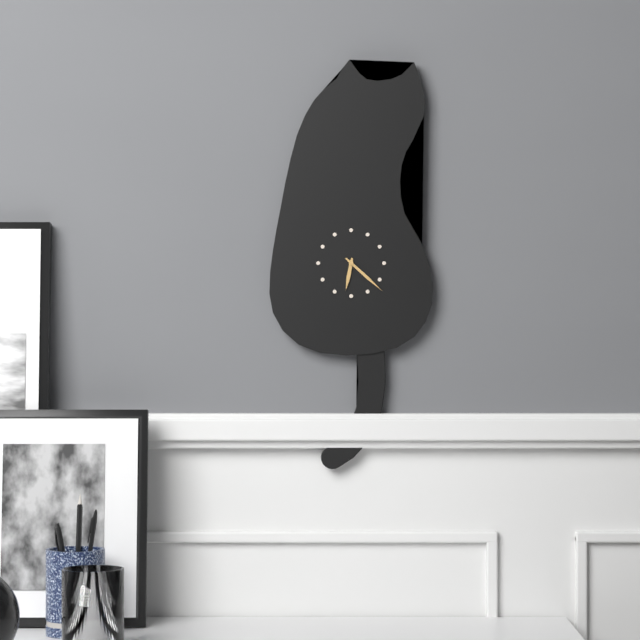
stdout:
6,22
